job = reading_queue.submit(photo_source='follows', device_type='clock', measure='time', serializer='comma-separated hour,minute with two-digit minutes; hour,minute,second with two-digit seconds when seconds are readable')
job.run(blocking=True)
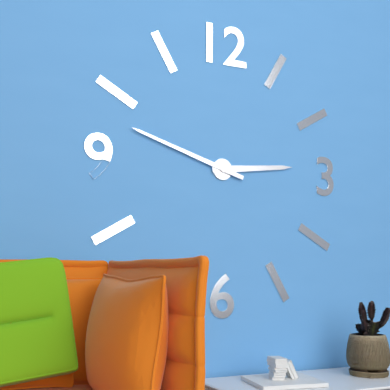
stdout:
2,48
